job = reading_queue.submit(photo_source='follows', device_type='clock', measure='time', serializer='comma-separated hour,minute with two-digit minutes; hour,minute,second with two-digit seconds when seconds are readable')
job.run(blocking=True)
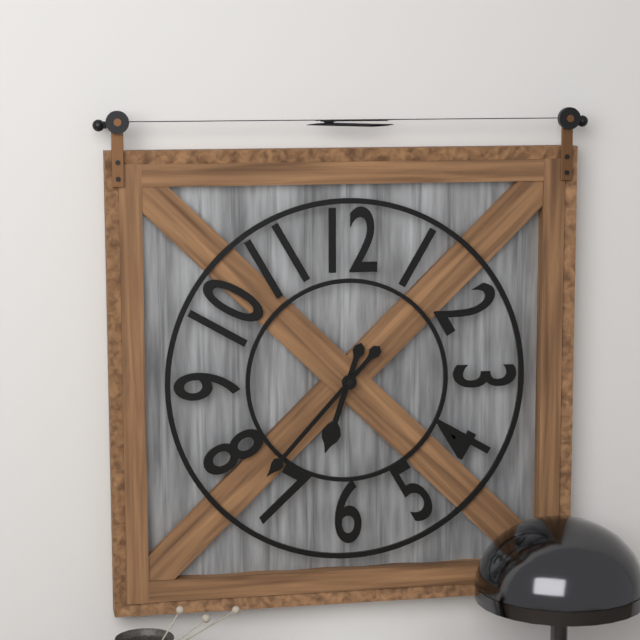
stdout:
6,37
